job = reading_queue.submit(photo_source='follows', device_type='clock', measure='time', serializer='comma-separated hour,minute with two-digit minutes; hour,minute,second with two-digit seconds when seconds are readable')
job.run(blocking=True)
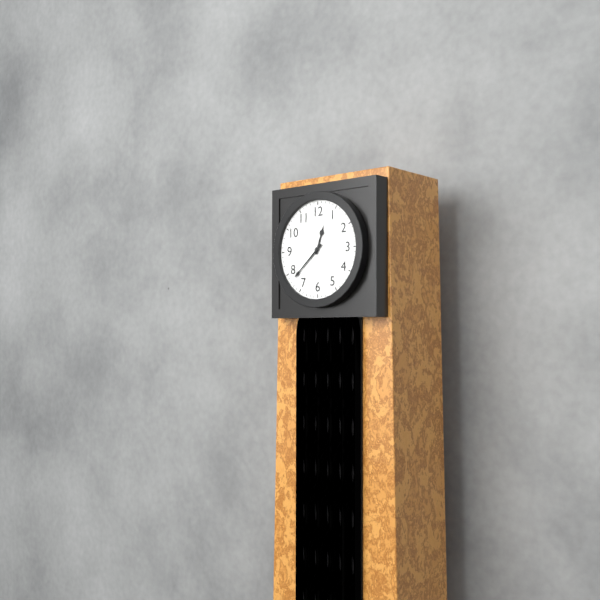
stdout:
12,38
